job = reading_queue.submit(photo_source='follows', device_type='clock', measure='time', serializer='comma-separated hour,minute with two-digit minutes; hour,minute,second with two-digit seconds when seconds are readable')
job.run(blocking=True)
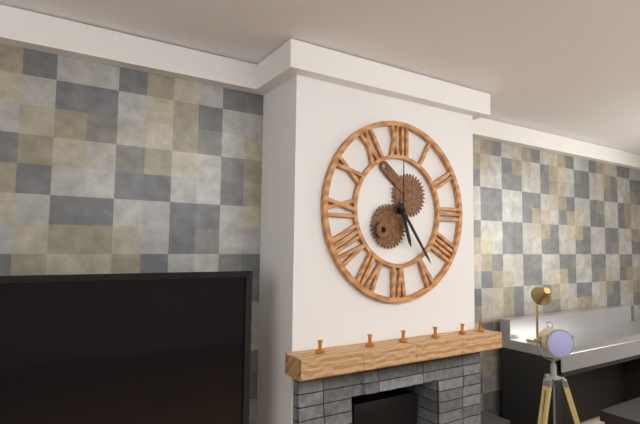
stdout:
5,24,00
